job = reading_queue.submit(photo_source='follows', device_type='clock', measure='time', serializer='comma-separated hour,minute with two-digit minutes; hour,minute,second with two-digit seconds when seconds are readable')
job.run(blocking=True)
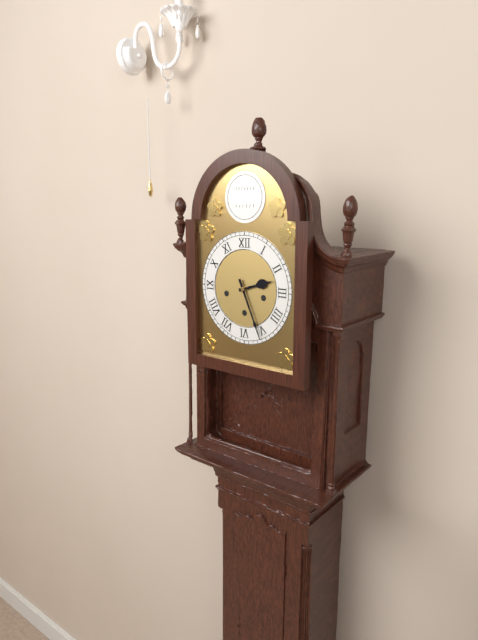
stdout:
2,26
